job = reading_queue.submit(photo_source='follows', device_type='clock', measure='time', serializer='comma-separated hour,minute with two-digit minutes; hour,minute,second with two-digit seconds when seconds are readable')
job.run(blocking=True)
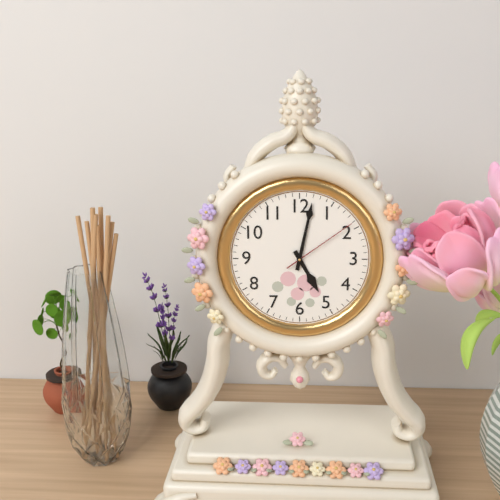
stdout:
5,02,09
